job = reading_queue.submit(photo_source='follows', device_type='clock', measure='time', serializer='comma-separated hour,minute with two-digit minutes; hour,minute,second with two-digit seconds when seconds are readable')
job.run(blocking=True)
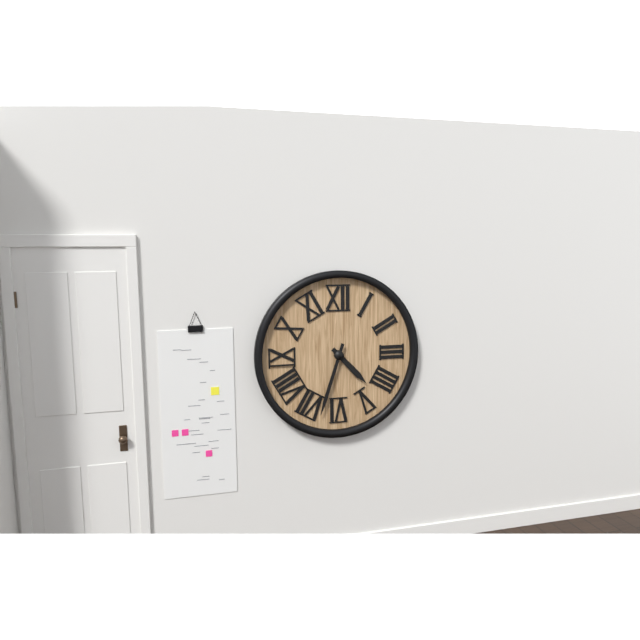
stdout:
4,33
